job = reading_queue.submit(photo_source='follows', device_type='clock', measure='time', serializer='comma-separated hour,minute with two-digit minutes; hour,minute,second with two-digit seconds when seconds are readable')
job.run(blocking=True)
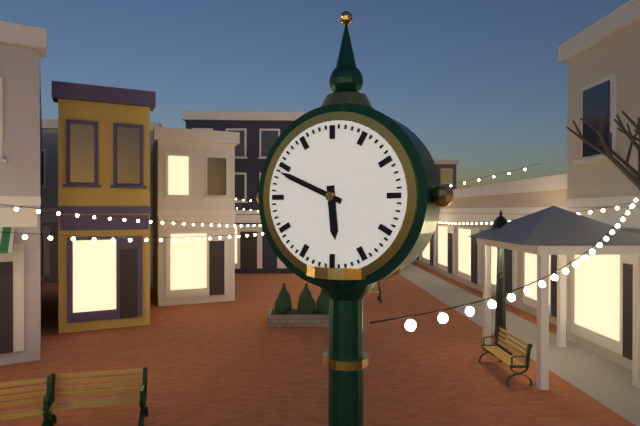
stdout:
5,49
